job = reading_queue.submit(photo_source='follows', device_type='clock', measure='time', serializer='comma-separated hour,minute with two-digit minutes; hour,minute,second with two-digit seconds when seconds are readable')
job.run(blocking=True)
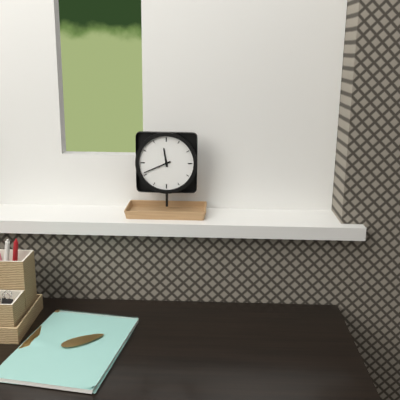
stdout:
11,41
